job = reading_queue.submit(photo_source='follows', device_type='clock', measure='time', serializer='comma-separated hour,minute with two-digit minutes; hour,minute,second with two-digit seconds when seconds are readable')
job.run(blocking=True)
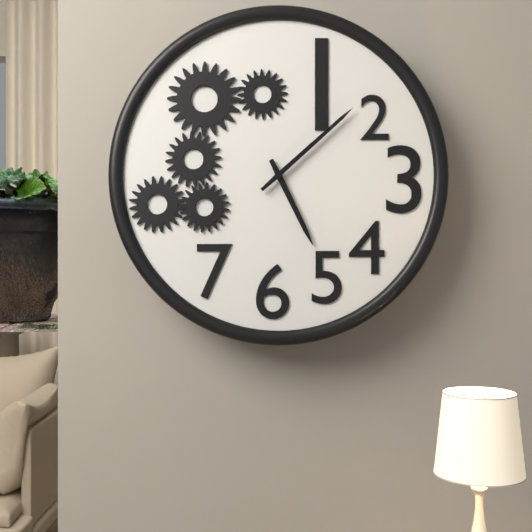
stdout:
5,08
